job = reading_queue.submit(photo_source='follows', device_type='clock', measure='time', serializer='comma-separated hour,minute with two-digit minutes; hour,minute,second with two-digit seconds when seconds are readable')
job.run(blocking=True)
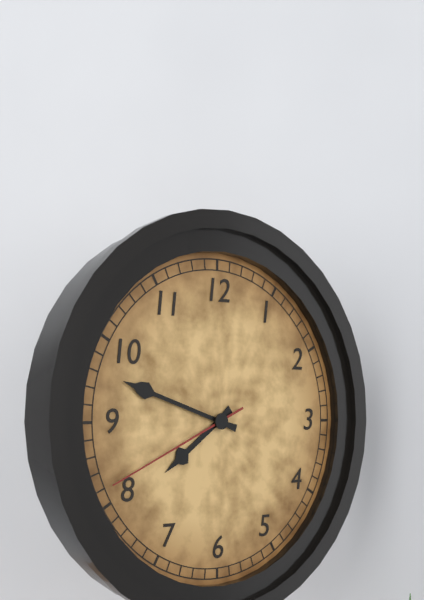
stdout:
7,48,41
